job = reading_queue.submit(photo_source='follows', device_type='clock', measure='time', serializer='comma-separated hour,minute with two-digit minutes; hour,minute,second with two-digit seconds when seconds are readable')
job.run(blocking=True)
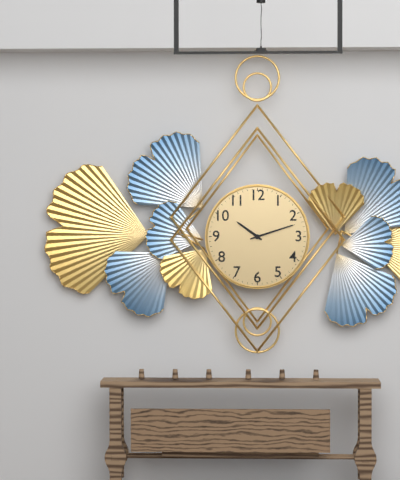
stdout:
10,12
